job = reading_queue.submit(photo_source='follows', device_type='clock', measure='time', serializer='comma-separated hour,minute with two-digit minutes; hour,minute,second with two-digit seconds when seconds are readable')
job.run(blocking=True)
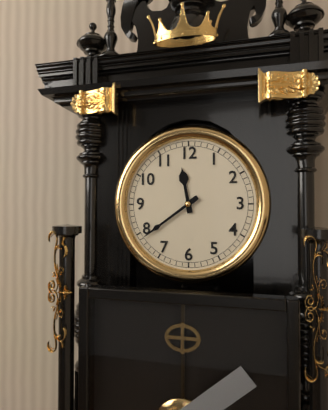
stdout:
11,39
